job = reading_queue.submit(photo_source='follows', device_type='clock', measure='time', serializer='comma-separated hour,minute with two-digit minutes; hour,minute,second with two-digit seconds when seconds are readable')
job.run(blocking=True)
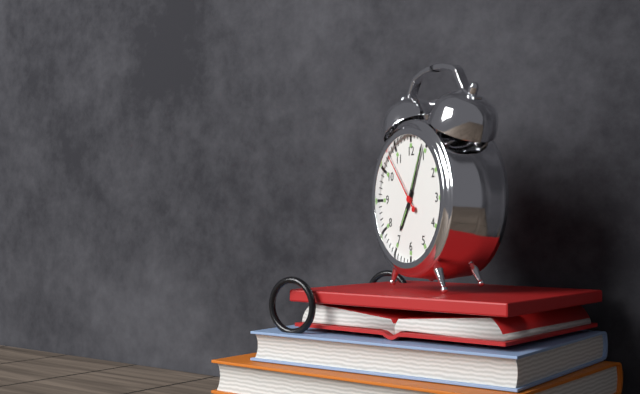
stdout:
7,04,53
